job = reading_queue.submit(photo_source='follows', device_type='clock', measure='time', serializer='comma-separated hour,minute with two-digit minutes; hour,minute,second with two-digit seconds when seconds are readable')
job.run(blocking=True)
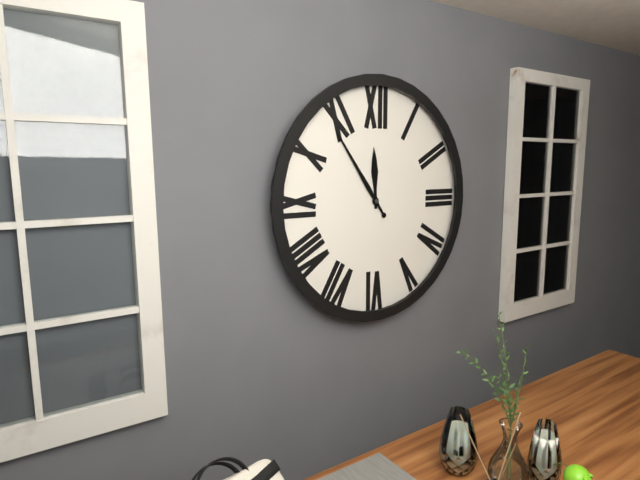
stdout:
11,54
